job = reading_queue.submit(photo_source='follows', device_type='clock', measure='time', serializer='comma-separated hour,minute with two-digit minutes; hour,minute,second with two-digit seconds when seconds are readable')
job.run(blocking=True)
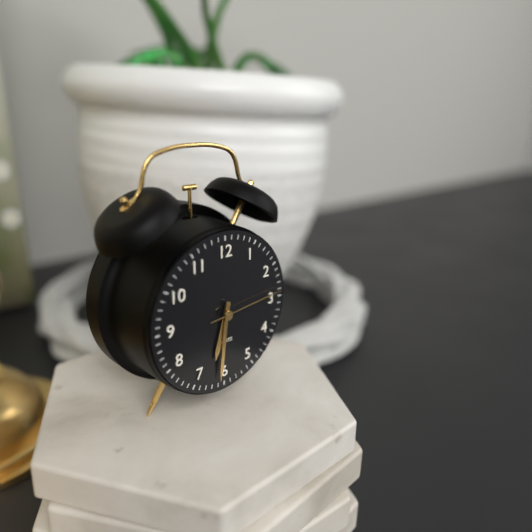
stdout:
6,31,14
